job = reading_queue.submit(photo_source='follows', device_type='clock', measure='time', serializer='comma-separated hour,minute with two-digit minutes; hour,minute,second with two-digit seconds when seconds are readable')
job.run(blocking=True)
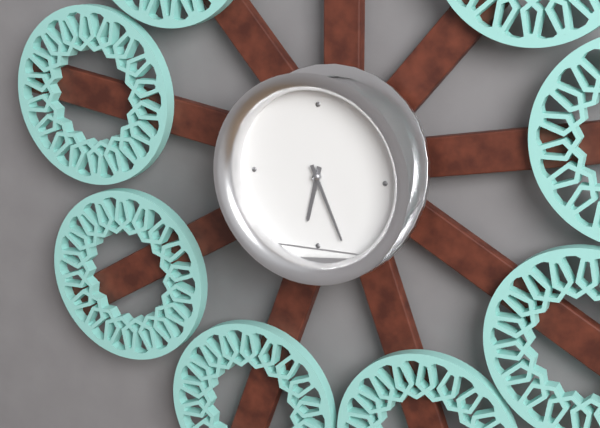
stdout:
6,26
